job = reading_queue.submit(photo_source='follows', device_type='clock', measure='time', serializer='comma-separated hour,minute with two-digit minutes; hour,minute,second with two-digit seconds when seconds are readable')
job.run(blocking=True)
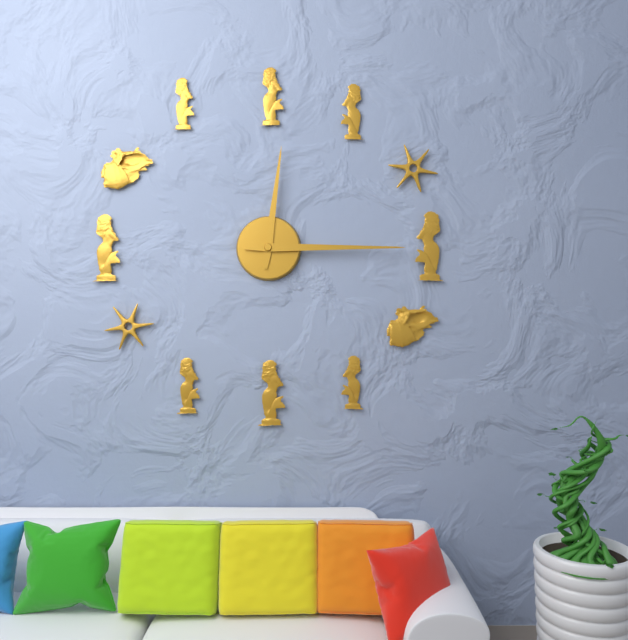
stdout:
12,15
